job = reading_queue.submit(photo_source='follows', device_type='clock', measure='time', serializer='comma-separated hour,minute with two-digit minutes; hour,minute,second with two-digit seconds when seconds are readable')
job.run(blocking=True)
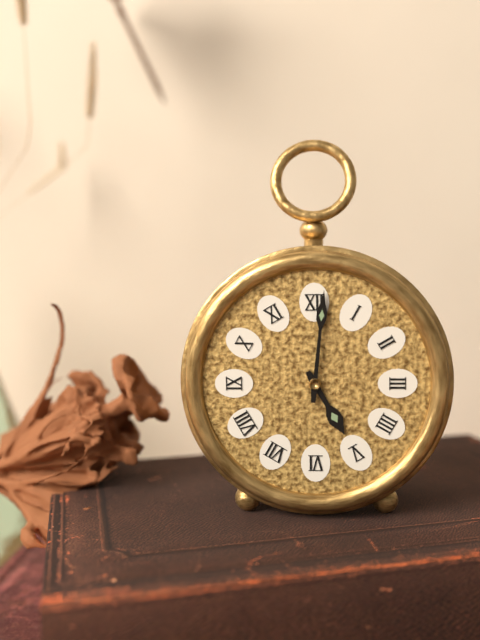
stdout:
5,01
